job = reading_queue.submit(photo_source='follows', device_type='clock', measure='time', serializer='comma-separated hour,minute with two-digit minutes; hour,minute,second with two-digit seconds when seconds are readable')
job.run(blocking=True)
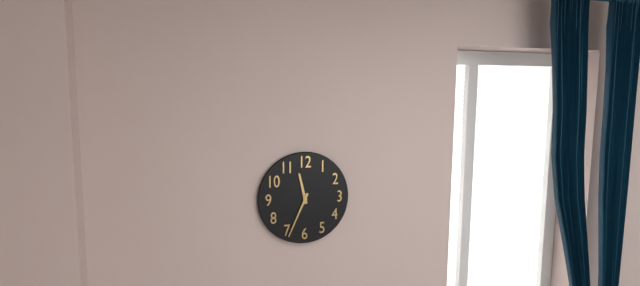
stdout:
11,34
